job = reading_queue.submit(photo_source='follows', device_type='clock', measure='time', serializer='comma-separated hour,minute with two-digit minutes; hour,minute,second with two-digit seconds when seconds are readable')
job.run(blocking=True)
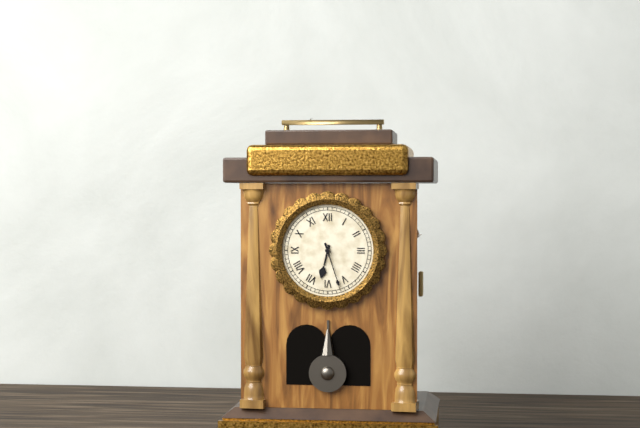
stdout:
6,27
